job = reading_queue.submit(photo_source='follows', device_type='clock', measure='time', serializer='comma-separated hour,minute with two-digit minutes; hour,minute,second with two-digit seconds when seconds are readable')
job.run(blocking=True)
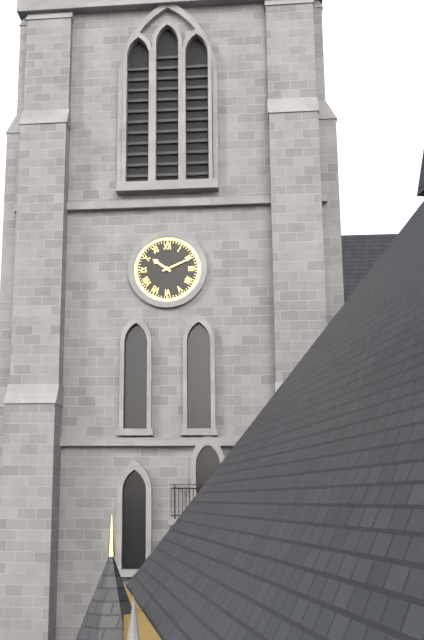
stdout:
10,11
